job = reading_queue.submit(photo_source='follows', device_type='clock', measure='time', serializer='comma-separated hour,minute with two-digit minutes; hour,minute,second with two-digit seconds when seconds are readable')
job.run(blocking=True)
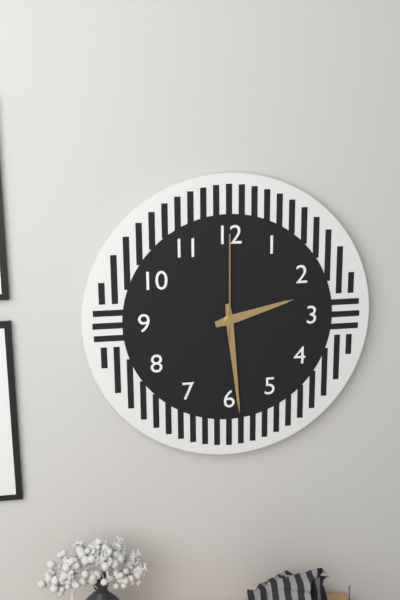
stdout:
2,29,00
